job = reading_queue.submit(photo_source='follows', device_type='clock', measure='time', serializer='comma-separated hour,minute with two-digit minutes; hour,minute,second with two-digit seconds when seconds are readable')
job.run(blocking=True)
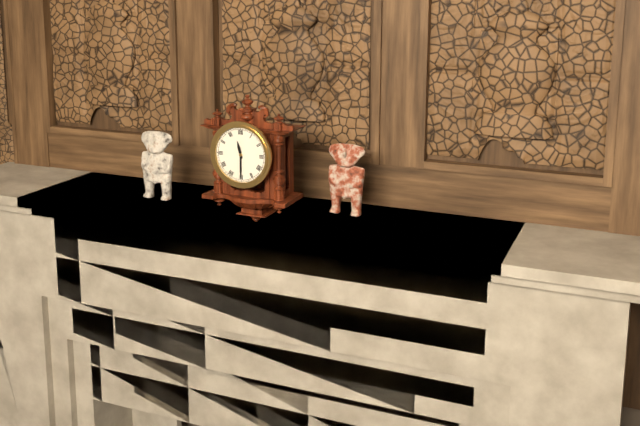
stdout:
11,30
